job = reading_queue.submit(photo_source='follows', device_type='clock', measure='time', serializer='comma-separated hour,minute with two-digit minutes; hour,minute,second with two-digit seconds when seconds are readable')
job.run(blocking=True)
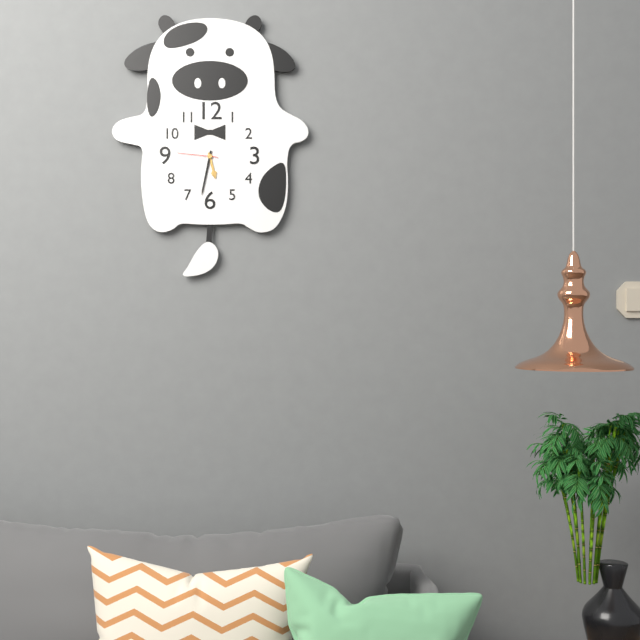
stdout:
5,32
